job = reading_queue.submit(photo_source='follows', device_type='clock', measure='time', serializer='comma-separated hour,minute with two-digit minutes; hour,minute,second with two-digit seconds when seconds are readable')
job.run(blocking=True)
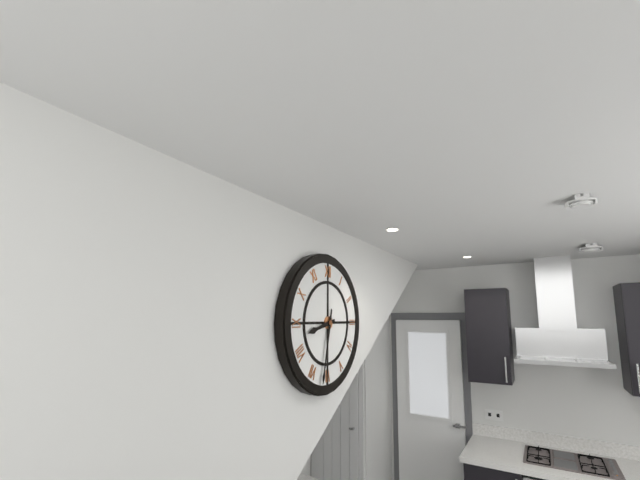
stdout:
8,32
